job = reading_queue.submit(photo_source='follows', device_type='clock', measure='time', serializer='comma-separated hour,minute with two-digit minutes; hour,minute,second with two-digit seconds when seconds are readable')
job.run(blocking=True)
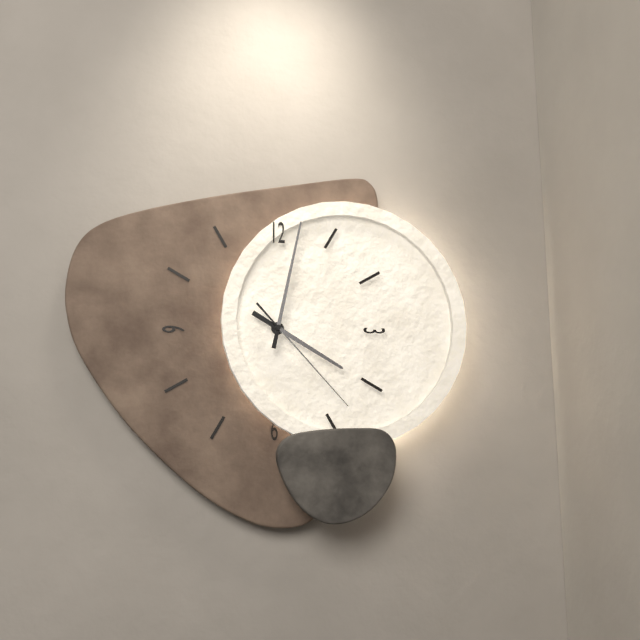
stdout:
4,02,23
